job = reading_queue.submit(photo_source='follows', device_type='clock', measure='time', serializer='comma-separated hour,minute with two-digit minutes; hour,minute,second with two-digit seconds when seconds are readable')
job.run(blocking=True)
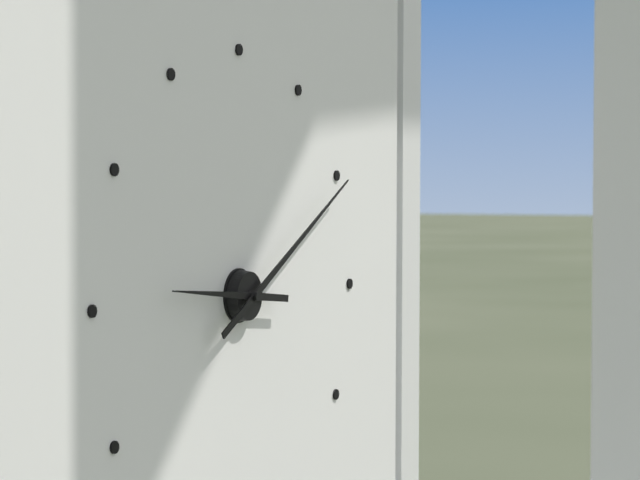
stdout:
9,10
